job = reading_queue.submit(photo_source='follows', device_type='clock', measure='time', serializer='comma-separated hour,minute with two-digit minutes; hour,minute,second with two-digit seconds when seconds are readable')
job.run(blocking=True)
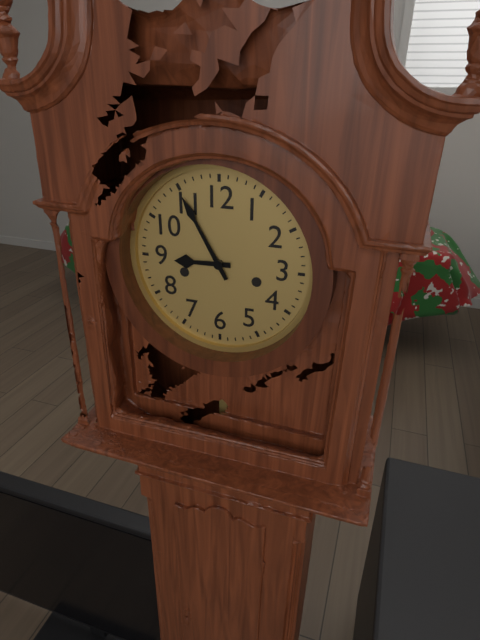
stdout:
8,55
